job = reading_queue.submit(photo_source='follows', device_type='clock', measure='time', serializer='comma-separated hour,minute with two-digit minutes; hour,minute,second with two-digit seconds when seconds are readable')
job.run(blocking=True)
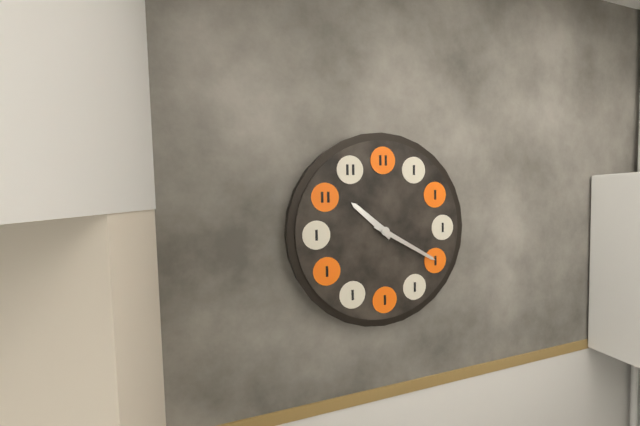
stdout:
10,20
